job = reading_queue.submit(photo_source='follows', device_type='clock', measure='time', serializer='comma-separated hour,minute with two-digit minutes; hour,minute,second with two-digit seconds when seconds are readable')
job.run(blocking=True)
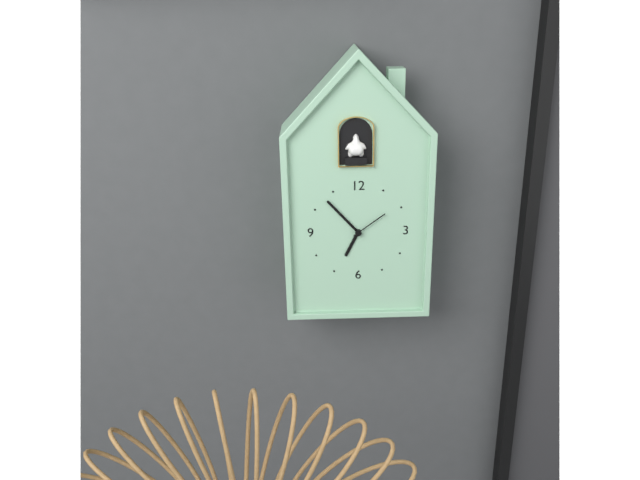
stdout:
6,53
